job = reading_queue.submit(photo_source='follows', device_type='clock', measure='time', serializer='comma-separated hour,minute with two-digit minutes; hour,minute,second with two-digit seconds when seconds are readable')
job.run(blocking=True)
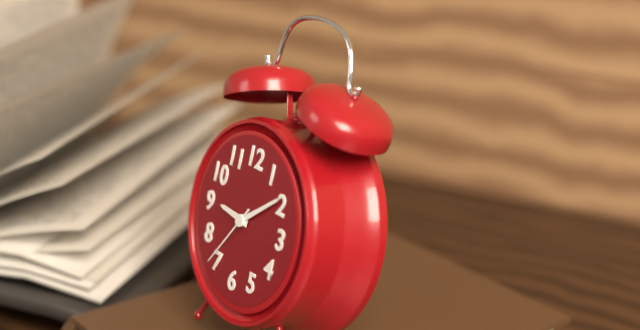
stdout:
9,09,36
